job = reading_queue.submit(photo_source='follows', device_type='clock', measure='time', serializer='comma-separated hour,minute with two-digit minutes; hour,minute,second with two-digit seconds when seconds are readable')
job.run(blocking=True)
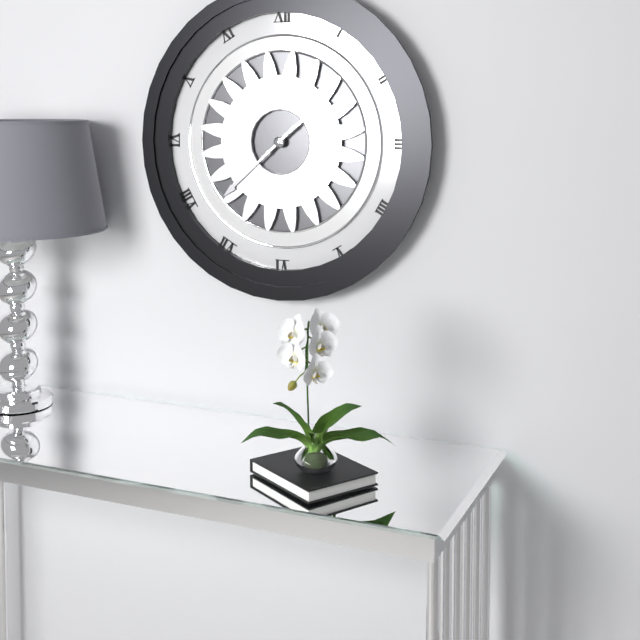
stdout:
1,38
